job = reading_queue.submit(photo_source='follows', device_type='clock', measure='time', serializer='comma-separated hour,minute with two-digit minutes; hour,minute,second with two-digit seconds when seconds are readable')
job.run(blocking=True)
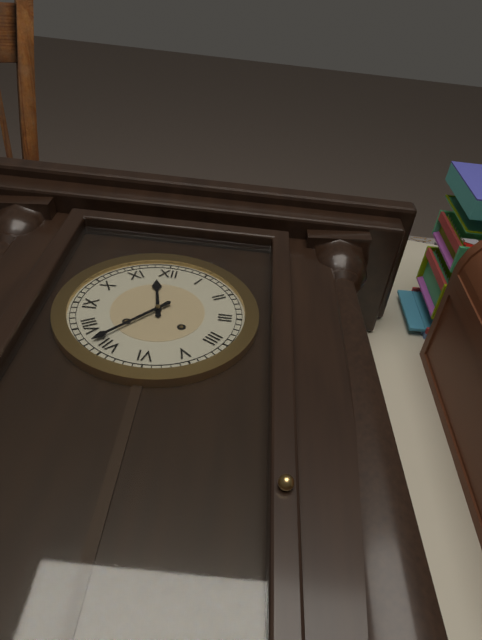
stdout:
11,37
